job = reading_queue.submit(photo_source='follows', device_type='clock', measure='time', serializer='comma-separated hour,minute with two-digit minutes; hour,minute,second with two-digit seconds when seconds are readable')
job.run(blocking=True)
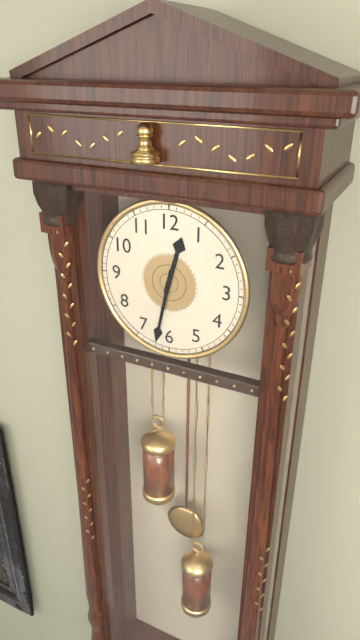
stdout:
12,32
